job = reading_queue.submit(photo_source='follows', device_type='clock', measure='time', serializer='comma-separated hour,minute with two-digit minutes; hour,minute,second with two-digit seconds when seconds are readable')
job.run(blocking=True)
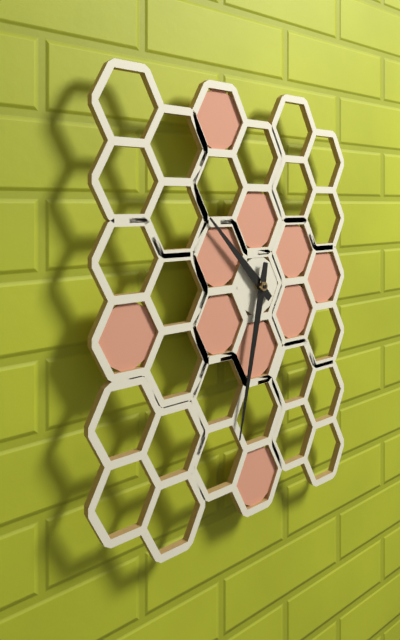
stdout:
10,32
